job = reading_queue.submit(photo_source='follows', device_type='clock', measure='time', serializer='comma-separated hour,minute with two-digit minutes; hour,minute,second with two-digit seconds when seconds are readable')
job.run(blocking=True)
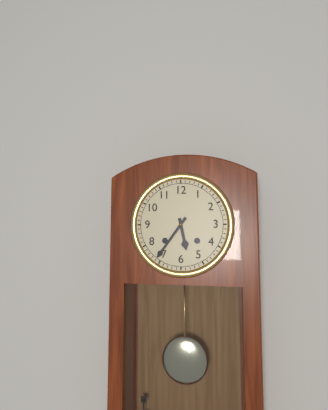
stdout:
5,36
